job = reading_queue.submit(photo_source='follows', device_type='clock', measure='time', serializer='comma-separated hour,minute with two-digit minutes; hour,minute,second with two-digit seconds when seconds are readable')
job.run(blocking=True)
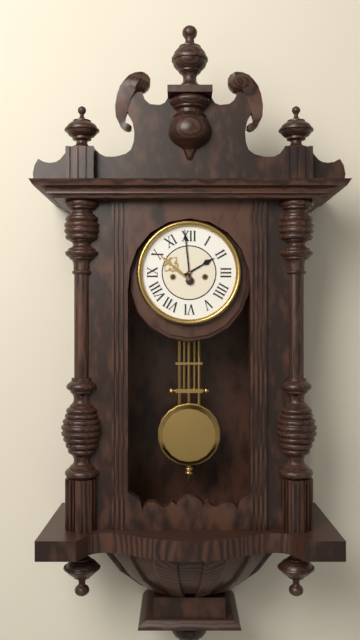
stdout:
1,59
